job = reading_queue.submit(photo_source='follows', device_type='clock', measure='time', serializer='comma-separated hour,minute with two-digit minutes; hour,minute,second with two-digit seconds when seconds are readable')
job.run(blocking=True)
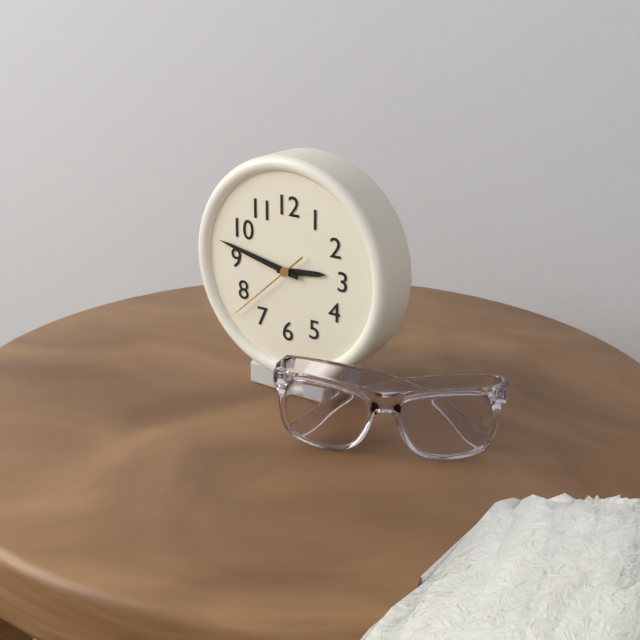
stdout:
2,47,38
